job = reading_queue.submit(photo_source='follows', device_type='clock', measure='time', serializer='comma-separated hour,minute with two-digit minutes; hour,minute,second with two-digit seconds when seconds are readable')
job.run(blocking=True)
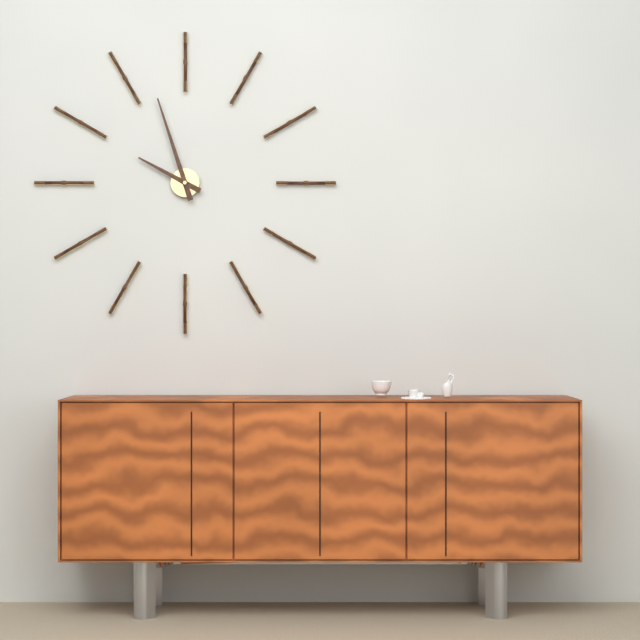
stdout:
9,57
